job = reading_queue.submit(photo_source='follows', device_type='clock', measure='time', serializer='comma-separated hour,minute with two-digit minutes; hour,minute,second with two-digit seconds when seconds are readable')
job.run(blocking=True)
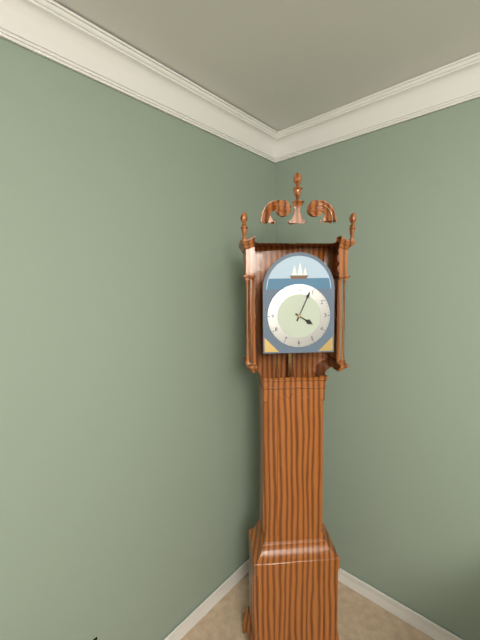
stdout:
4,04
